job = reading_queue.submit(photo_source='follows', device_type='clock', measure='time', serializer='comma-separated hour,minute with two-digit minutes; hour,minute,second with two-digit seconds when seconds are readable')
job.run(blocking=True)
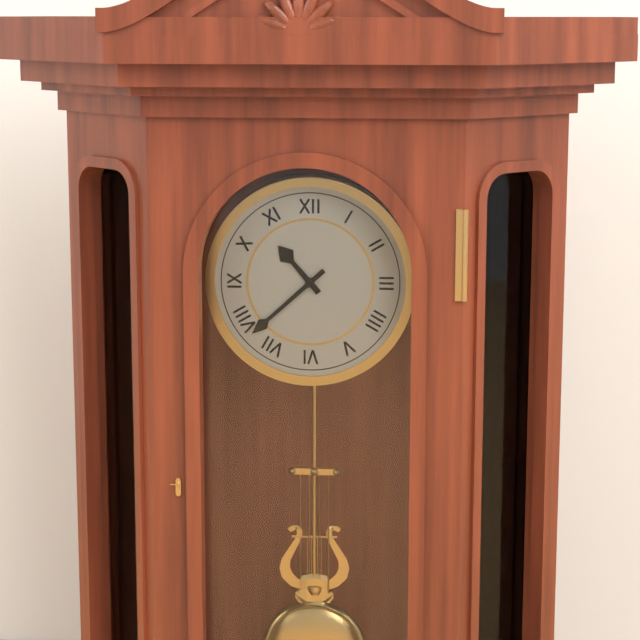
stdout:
10,38
